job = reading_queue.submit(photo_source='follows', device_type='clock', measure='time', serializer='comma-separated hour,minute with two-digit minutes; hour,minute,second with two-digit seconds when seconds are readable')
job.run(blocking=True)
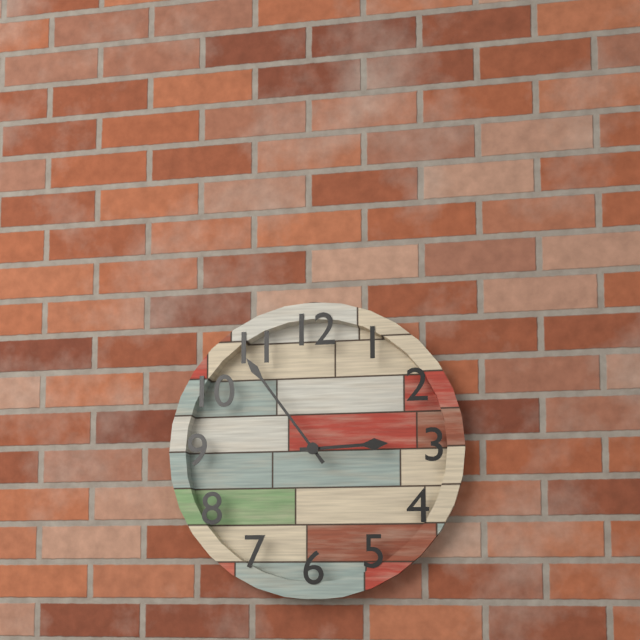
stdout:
2,54
